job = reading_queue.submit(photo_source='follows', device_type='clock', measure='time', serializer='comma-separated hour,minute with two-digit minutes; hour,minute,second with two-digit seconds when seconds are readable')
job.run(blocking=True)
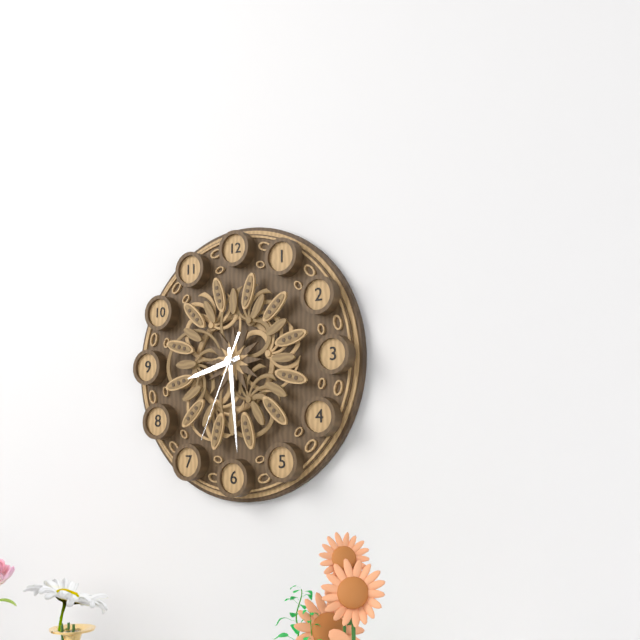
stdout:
8,29,34
